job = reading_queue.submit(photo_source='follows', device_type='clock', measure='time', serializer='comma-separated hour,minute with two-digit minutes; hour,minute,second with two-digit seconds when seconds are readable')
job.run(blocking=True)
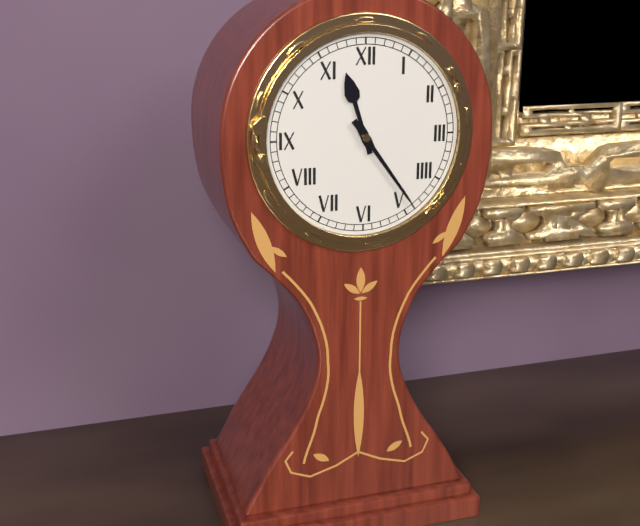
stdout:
11,24
